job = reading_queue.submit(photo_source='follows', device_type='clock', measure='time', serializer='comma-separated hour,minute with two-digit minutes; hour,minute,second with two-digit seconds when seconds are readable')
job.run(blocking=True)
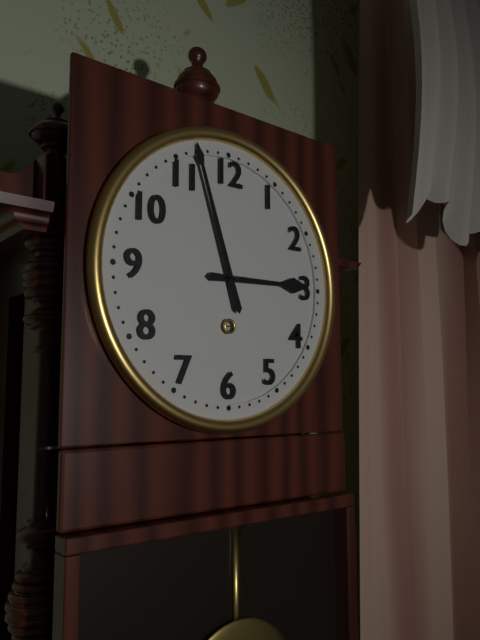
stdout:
2,57
